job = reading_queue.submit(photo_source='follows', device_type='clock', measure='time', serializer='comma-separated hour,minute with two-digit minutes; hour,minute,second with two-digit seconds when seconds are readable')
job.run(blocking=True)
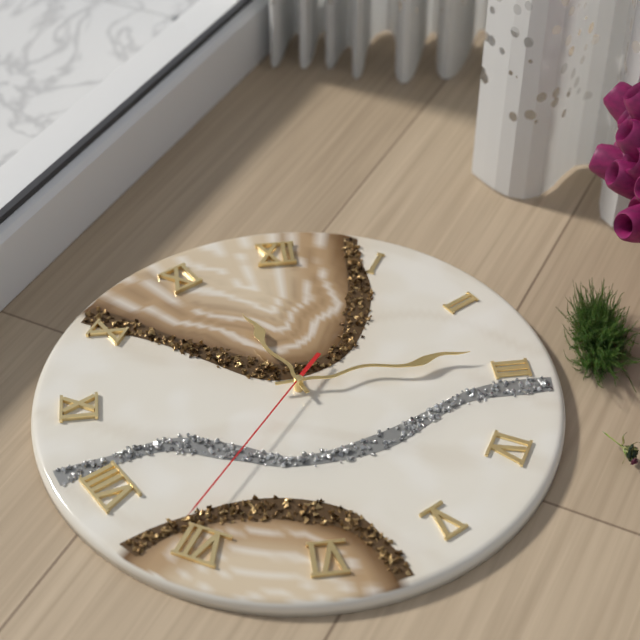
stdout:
11,14,36
